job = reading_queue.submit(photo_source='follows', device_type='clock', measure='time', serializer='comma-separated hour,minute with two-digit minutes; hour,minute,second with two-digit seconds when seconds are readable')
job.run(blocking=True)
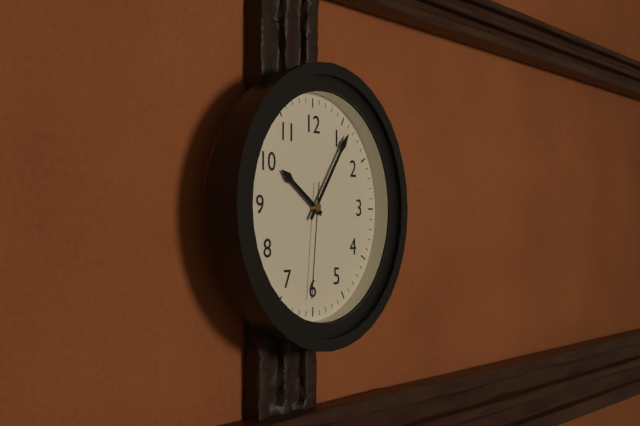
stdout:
10,06,31
